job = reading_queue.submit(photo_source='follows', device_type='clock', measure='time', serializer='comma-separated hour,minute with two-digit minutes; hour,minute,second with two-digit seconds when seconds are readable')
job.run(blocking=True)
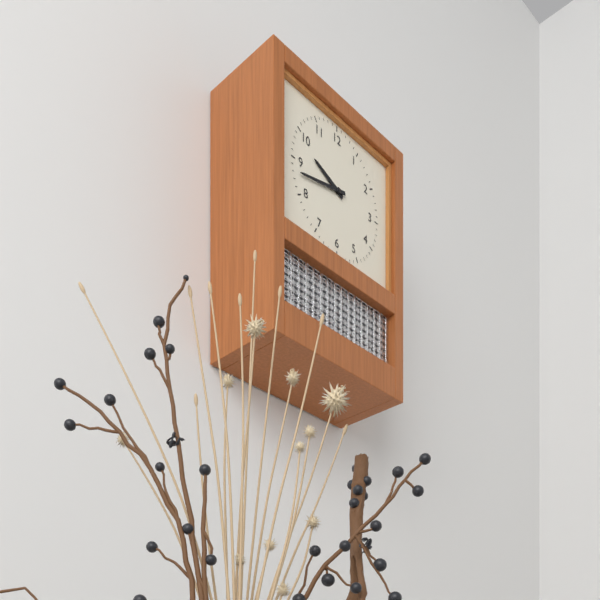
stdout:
9,43
